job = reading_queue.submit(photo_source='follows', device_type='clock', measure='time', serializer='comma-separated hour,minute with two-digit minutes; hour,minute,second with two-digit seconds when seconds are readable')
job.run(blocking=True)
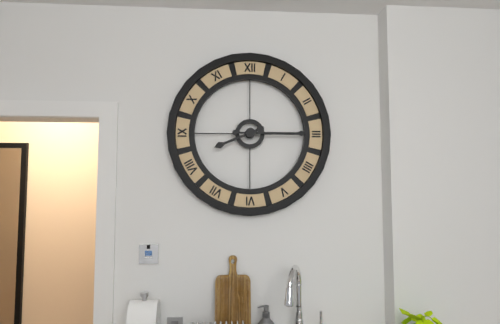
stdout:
8,15
